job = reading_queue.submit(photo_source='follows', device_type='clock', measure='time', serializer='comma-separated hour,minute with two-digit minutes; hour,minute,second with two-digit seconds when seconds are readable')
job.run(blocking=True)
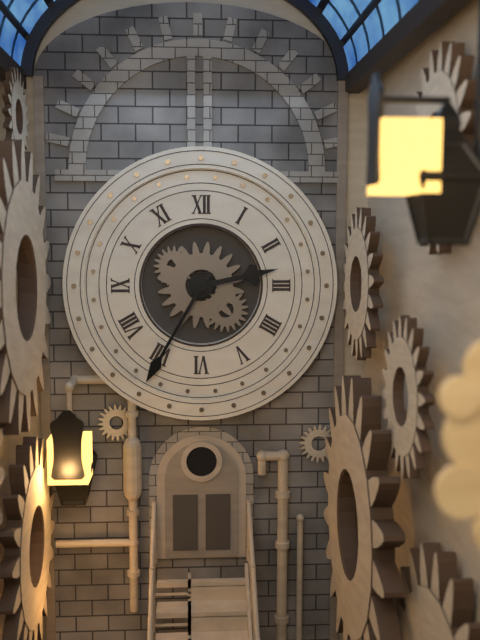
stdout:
2,35
